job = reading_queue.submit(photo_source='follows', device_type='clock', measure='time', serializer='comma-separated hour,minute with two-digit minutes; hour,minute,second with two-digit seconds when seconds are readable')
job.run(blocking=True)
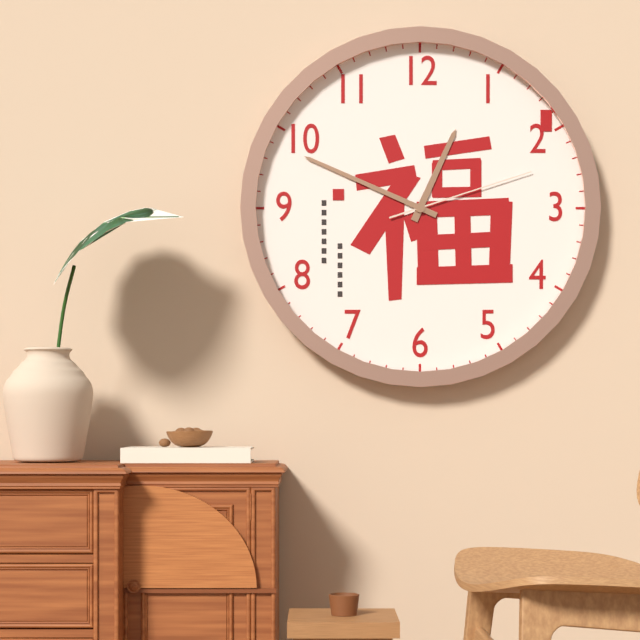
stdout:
12,49,12
